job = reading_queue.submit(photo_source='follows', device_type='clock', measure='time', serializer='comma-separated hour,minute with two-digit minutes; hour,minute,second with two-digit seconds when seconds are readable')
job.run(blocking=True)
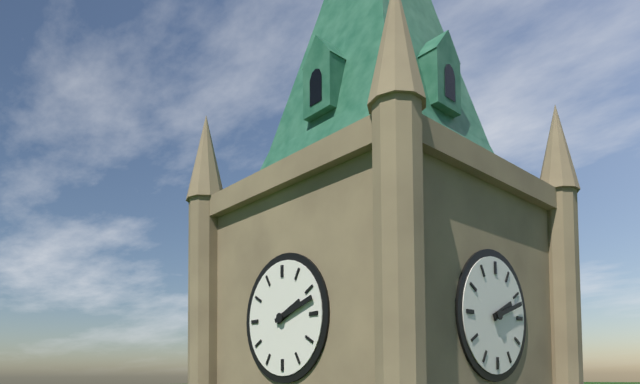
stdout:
2,12
